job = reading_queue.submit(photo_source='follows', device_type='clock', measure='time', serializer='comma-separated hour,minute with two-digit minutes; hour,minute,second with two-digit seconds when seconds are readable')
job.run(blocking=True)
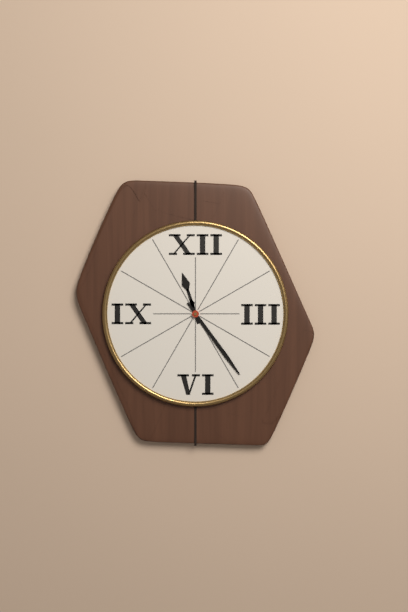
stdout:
11,24
